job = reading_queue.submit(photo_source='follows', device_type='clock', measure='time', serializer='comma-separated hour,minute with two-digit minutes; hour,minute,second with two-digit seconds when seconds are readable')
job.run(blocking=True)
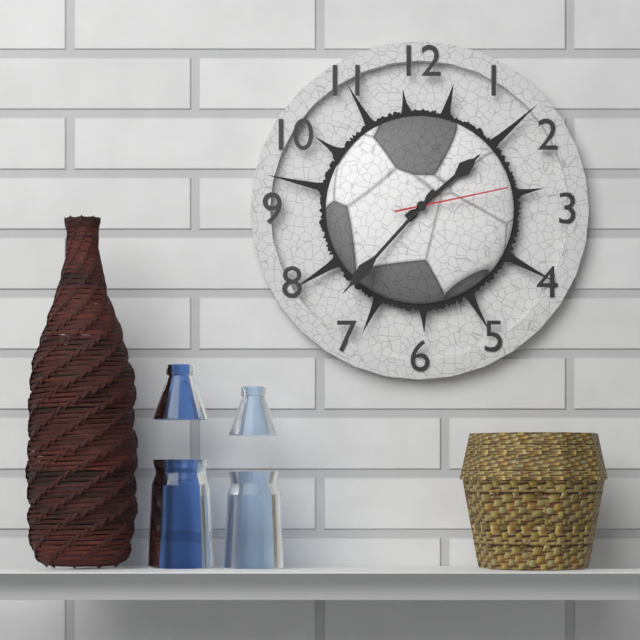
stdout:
1,37,13
